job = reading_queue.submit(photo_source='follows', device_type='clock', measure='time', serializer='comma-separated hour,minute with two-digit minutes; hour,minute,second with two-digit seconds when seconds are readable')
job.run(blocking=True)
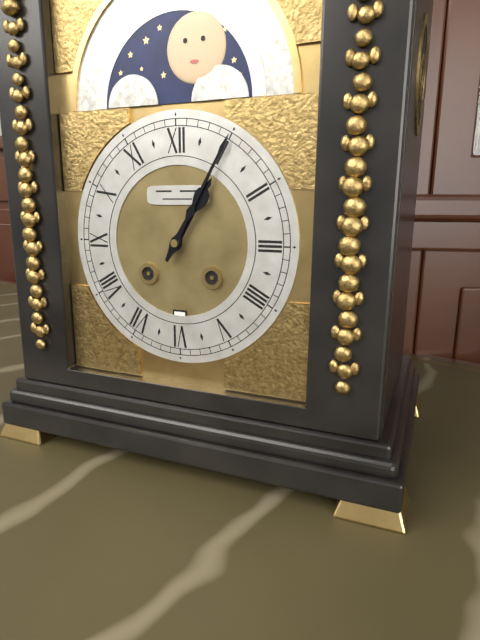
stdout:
1,05
